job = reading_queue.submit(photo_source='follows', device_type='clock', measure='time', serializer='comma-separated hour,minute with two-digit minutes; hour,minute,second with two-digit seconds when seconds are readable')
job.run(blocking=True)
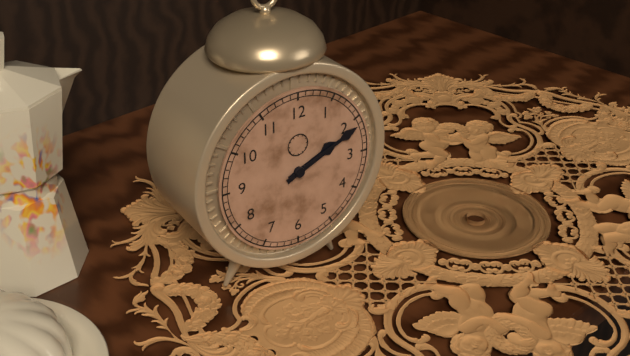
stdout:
2,11
